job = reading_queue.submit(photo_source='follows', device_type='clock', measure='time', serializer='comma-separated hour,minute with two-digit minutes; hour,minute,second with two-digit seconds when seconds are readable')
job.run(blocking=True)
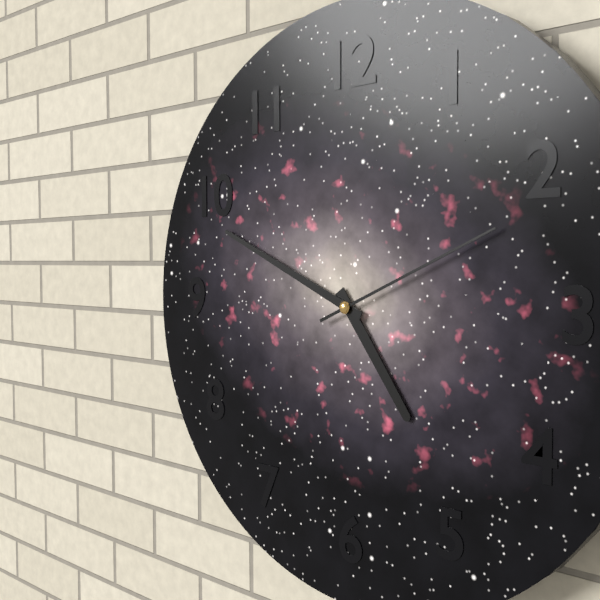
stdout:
4,49,11
